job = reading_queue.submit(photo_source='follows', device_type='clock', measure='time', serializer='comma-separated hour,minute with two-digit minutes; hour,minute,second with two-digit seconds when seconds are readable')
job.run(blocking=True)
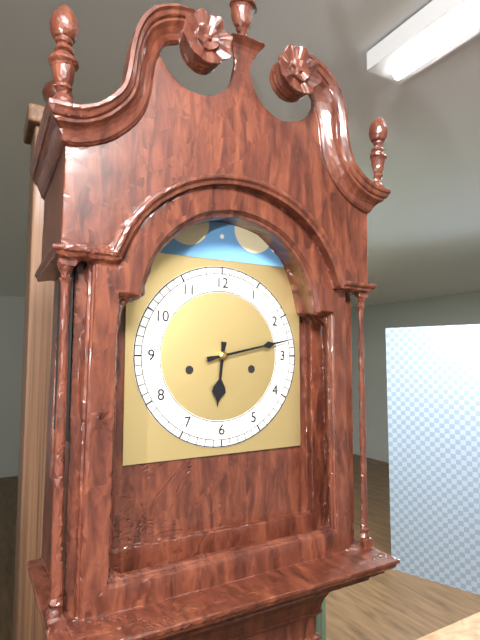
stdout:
6,13
